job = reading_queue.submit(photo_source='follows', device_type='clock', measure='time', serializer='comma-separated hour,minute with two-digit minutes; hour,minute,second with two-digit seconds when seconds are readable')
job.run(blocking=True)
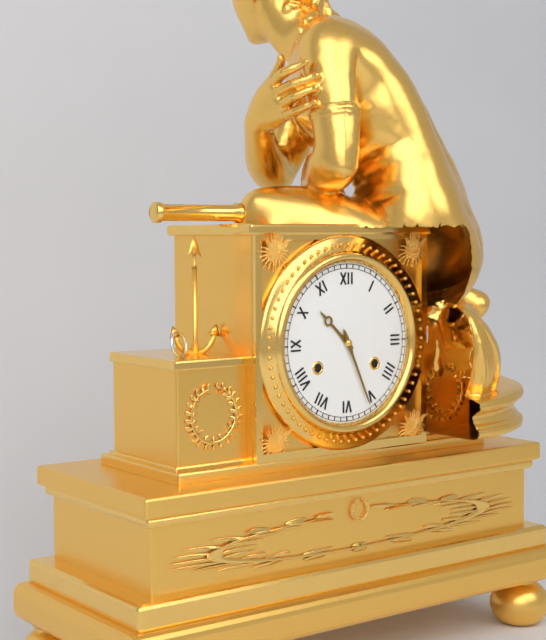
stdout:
10,26
